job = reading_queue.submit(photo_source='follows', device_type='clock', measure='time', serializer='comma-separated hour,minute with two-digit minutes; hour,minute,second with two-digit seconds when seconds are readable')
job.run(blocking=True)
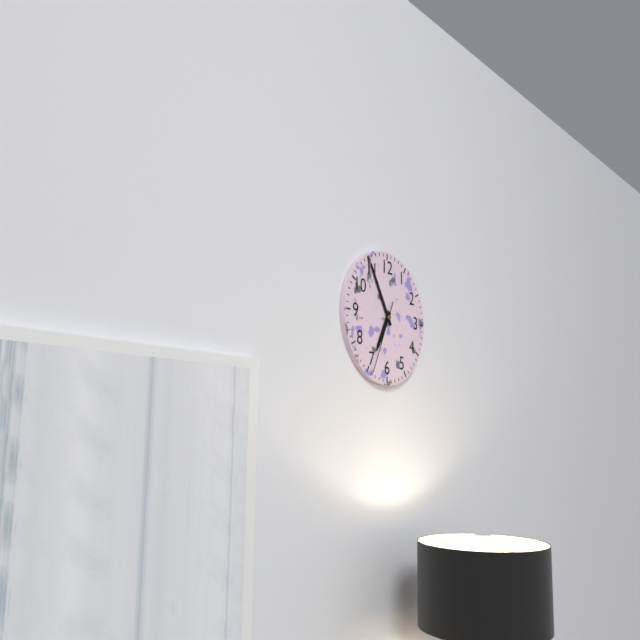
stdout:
6,55,34
